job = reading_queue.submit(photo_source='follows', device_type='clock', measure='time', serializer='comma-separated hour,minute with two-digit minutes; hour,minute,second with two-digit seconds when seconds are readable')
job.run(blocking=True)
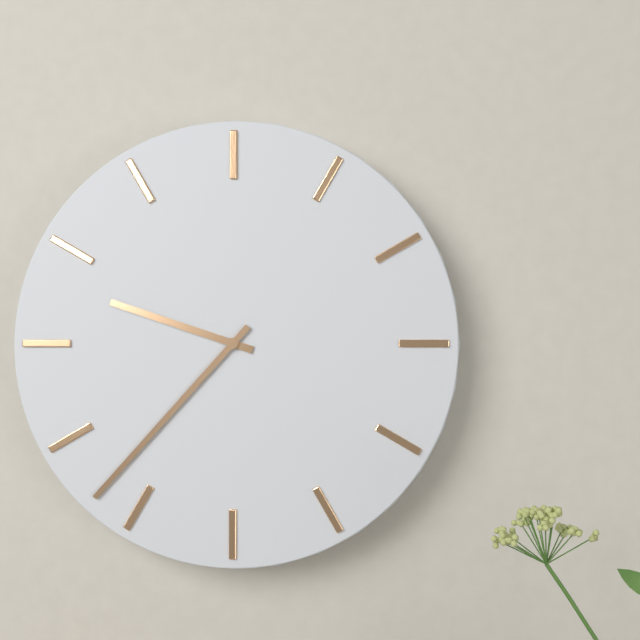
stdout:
9,37
